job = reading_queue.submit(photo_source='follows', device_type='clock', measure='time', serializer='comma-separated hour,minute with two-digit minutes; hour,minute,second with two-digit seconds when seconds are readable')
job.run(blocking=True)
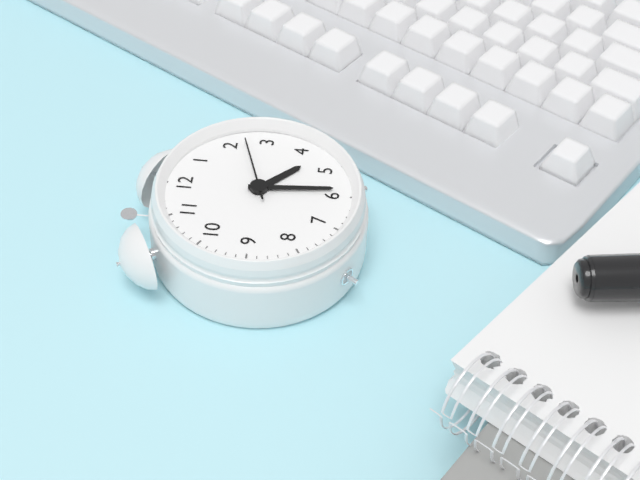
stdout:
4,29,12
